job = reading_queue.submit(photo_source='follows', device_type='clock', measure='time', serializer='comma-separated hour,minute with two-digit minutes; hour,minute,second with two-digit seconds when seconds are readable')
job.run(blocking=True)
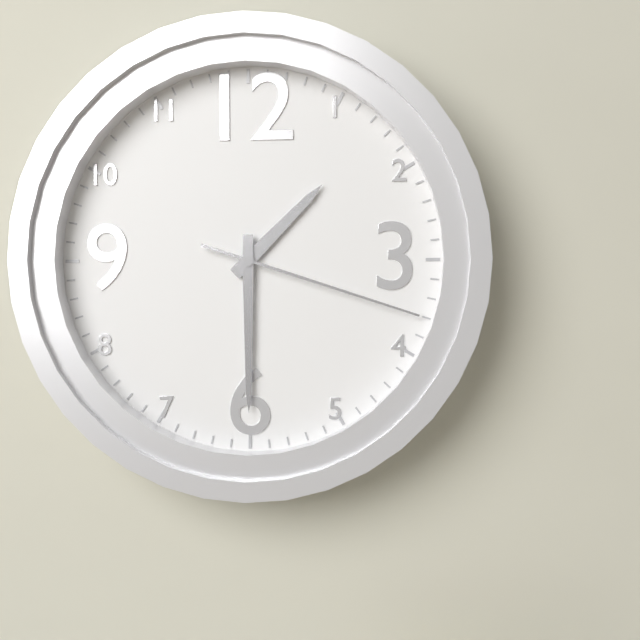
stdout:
1,30,18
